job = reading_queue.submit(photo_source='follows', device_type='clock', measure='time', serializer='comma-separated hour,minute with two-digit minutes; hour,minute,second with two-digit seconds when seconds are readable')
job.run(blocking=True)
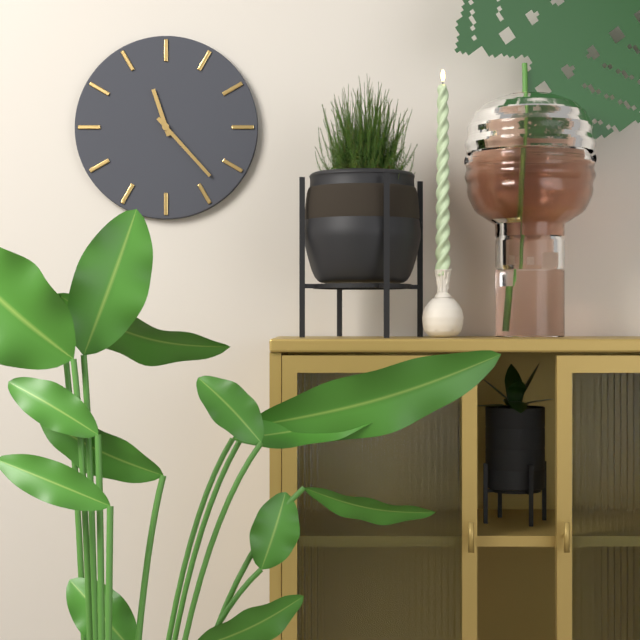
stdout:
11,23
